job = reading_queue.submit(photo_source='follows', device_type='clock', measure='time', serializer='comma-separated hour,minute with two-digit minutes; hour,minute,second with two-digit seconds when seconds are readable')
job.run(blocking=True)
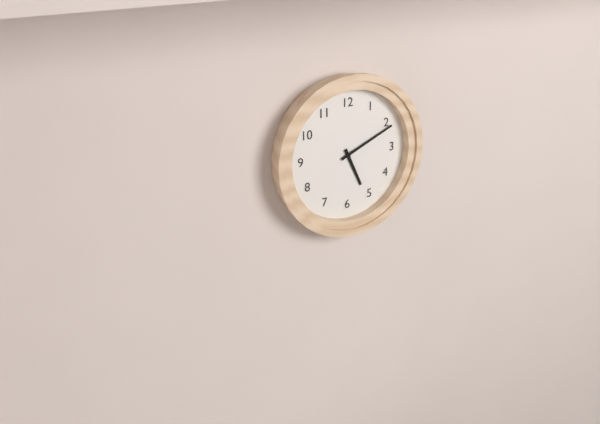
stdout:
5,11
